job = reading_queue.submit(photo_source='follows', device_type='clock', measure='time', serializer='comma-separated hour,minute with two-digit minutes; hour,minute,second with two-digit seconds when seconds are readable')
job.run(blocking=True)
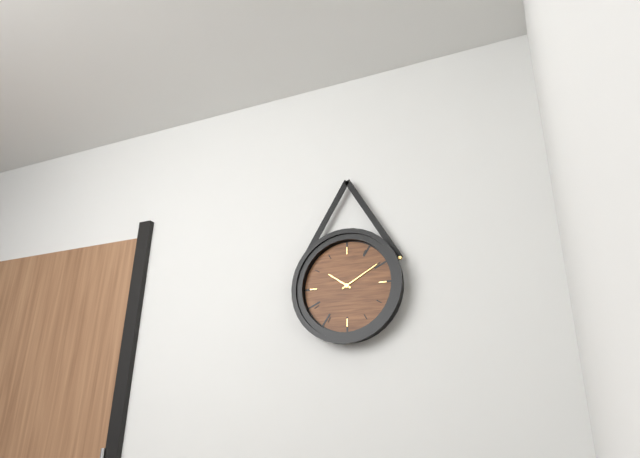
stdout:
10,10
